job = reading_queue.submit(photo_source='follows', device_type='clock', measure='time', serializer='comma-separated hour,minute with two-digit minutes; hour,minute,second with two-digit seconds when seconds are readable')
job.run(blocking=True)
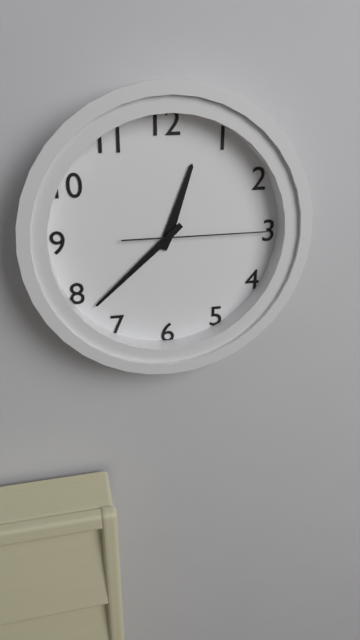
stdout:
12,38,15
